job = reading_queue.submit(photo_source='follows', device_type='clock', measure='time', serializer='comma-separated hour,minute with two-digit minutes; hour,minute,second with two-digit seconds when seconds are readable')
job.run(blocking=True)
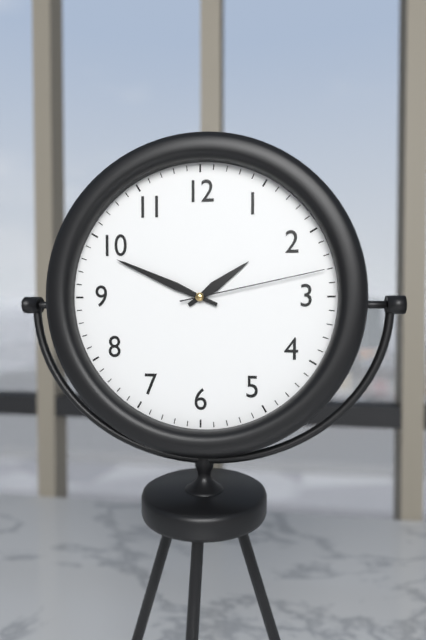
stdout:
1,49,13
